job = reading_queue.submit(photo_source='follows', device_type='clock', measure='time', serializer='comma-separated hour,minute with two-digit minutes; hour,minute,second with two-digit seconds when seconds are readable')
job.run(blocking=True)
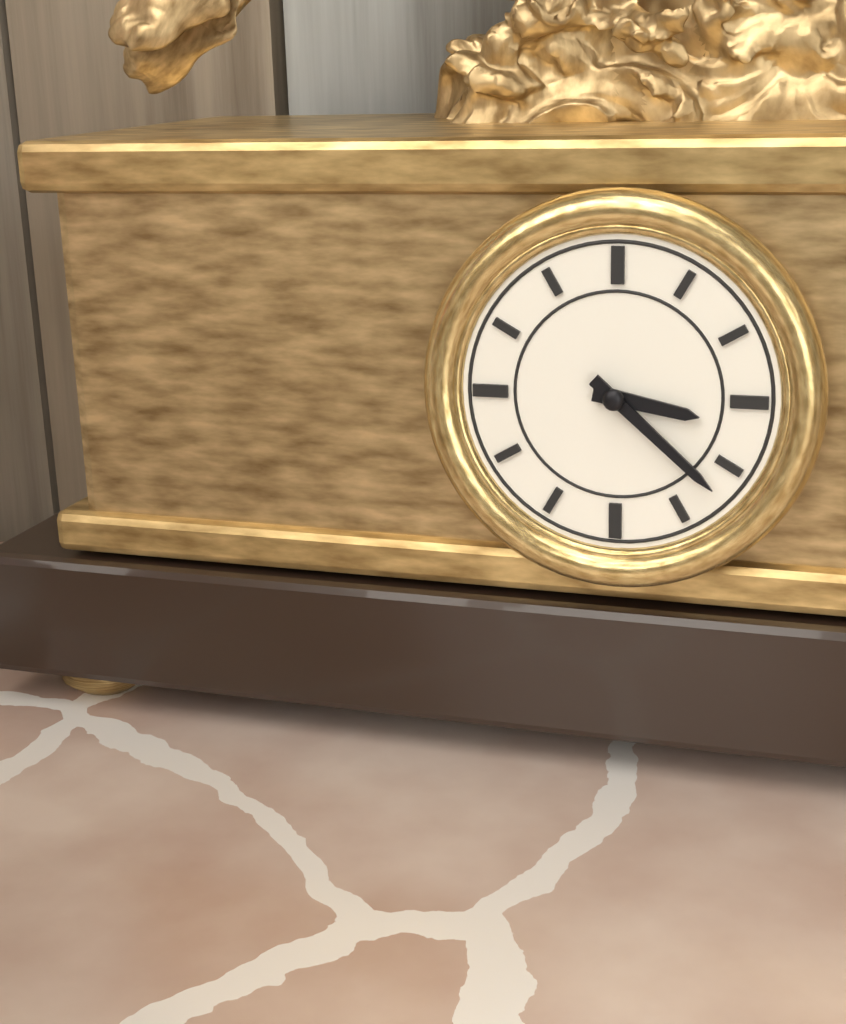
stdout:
3,22
